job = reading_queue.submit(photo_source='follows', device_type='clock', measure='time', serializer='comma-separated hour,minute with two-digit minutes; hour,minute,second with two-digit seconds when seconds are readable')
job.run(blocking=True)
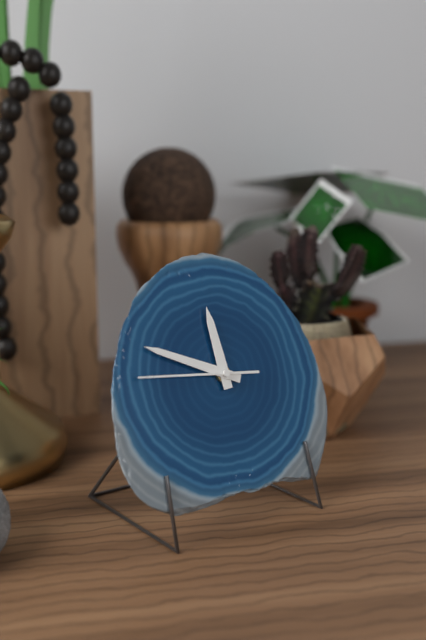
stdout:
11,49,46
